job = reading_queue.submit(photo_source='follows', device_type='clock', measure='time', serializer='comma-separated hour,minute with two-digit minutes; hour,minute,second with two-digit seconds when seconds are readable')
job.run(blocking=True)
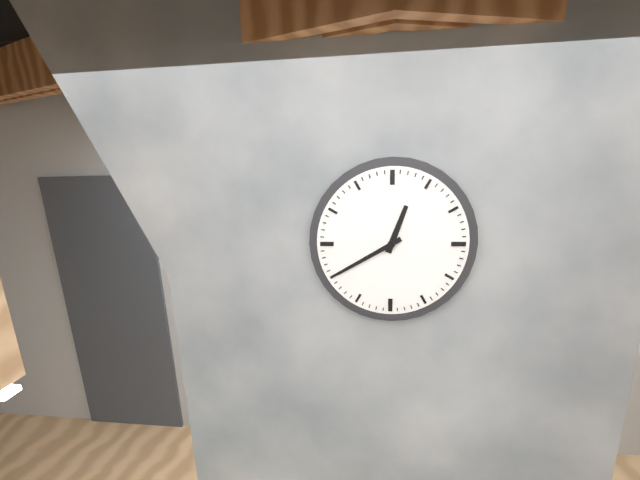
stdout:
12,40
